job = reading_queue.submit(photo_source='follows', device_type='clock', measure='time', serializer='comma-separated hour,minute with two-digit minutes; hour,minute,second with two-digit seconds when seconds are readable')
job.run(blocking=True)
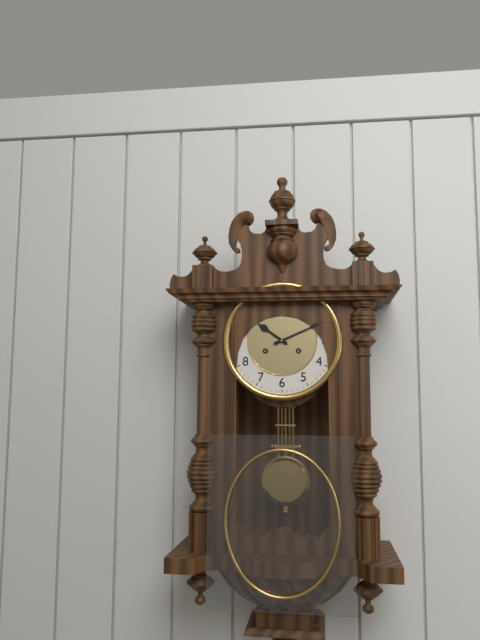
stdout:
10,11
